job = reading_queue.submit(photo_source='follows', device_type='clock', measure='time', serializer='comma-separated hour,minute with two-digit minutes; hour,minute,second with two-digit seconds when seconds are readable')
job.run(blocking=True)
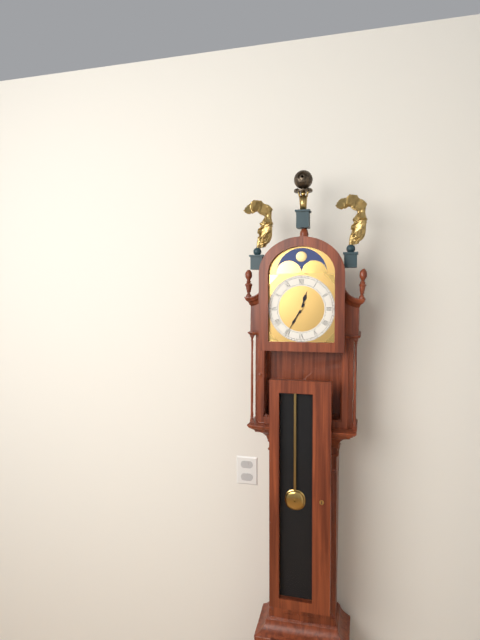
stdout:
12,35
